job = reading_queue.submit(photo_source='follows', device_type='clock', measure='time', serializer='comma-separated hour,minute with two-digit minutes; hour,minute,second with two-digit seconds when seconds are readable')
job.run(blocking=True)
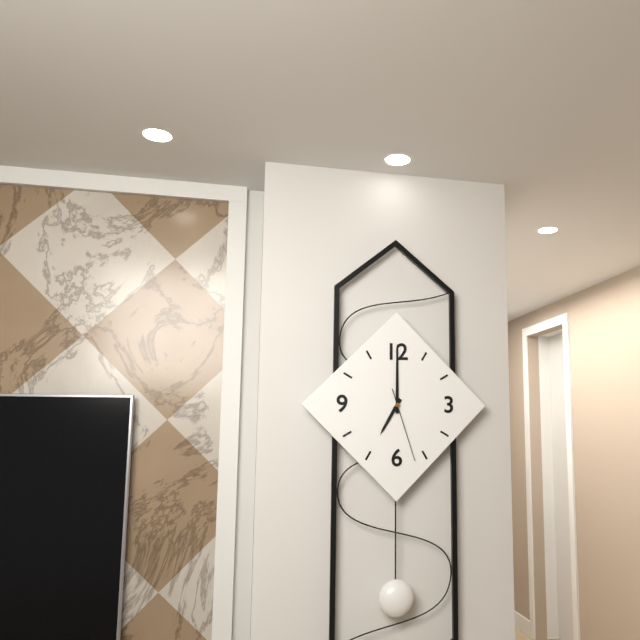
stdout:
7,00,27
